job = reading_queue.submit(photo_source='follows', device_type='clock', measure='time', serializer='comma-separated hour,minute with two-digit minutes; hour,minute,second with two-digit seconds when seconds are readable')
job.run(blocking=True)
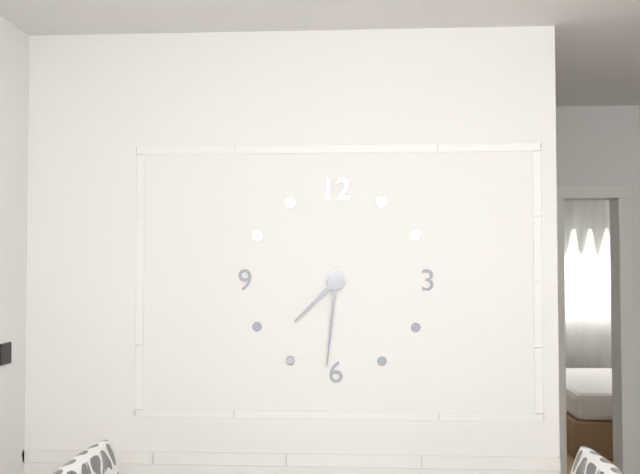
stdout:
7,31
